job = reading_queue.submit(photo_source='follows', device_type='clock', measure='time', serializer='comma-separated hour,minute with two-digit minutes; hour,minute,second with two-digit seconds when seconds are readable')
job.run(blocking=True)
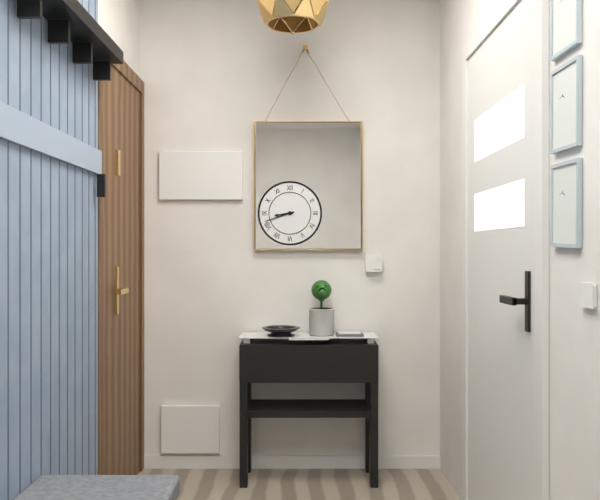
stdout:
8,42
